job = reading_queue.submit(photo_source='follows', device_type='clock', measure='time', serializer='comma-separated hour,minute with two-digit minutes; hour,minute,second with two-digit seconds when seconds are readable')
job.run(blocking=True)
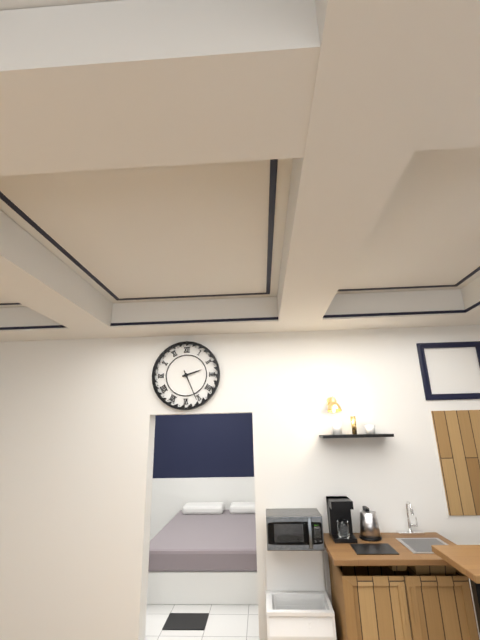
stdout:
2,26
